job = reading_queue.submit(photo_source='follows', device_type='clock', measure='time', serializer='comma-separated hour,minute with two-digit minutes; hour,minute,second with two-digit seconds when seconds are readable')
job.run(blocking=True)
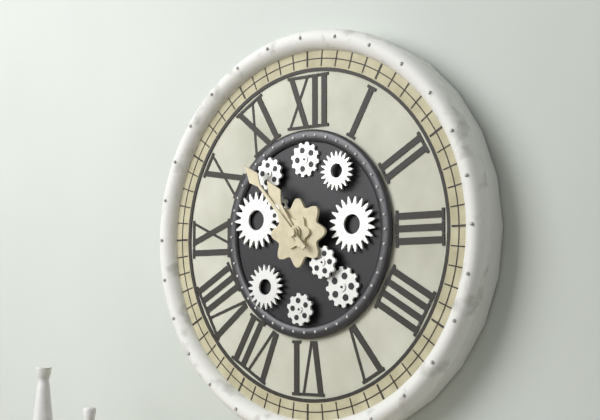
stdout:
10,53
